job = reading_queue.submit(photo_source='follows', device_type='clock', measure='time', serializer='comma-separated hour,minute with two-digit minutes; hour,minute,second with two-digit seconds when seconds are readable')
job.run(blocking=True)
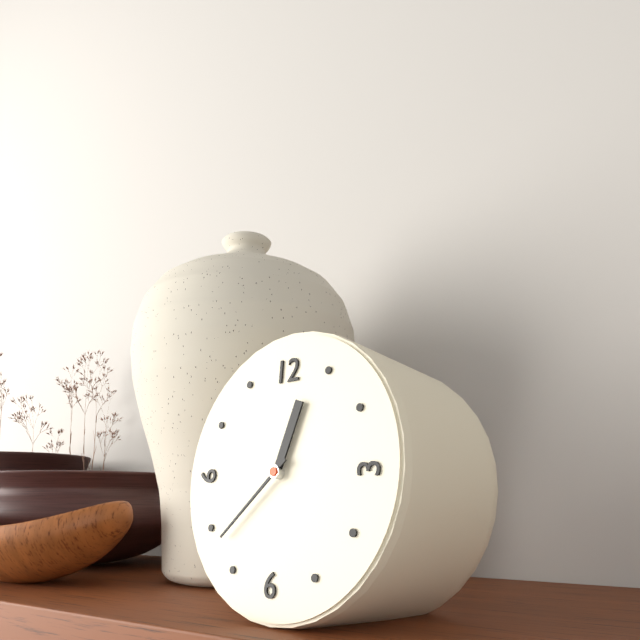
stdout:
12,38
